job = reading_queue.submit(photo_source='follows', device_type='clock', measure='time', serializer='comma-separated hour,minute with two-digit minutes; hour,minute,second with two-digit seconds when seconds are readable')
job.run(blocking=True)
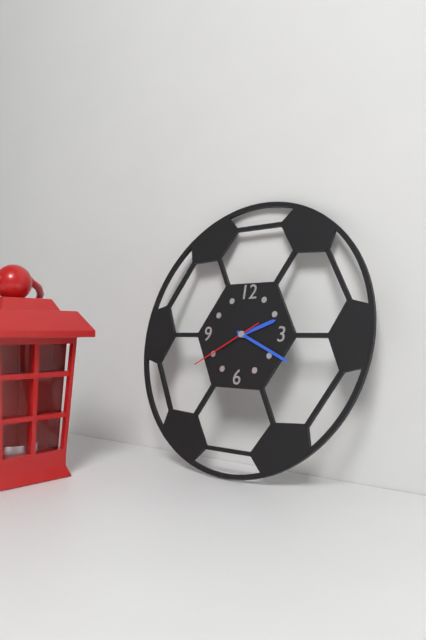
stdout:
2,19,40
